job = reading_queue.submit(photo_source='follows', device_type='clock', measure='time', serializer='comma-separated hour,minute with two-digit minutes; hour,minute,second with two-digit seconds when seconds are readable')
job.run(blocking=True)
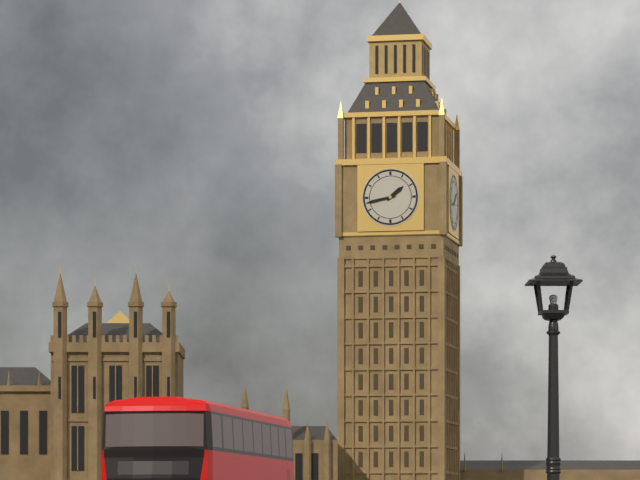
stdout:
1,43
